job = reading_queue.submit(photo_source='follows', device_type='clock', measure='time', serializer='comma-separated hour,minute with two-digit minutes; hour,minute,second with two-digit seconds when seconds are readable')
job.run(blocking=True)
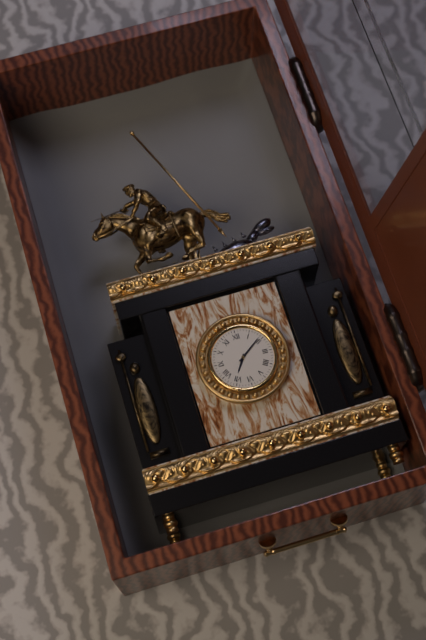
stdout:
7,09
